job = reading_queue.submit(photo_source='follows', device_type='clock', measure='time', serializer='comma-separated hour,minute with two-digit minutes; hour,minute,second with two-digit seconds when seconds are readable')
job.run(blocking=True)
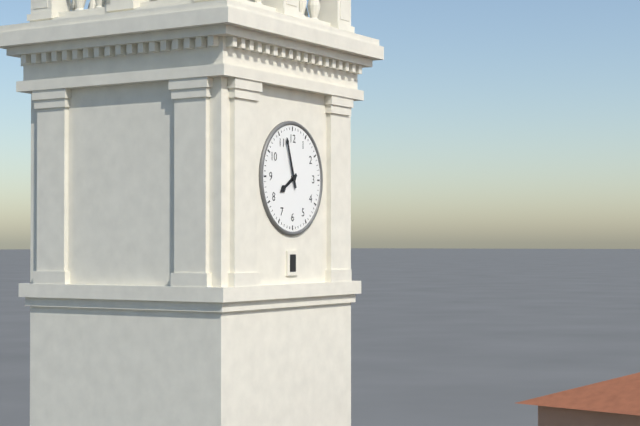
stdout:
7,57
